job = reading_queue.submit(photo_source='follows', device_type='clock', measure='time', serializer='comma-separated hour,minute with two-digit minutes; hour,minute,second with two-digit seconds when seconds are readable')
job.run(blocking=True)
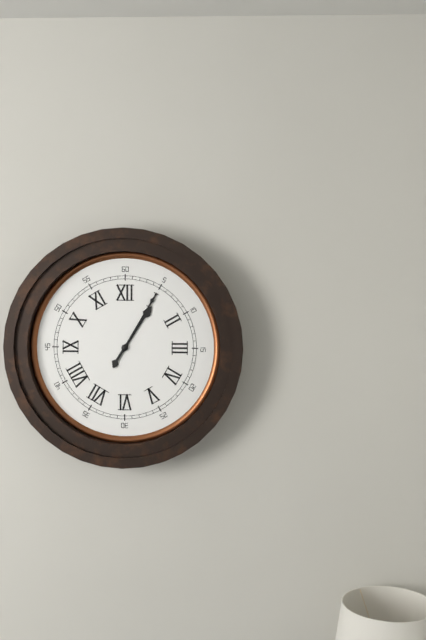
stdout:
1,05
